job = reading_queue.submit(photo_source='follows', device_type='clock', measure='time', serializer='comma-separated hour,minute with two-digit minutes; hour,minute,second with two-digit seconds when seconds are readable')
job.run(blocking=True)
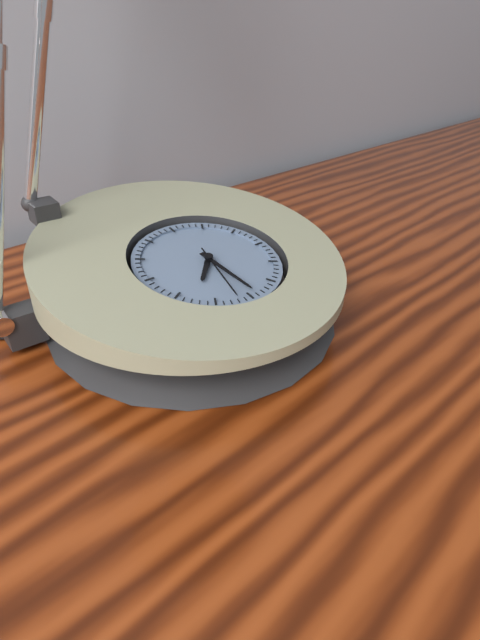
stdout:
7,29,32
